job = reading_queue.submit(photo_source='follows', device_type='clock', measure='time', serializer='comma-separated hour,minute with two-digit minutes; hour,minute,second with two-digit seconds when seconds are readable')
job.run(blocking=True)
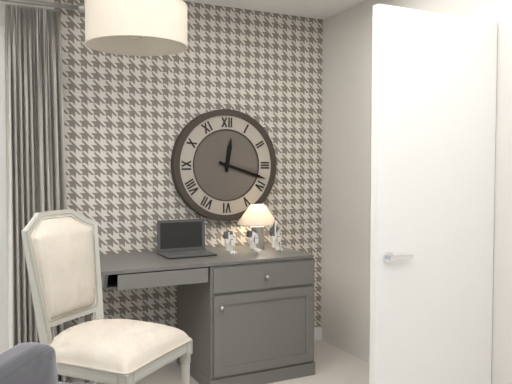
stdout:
12,18
